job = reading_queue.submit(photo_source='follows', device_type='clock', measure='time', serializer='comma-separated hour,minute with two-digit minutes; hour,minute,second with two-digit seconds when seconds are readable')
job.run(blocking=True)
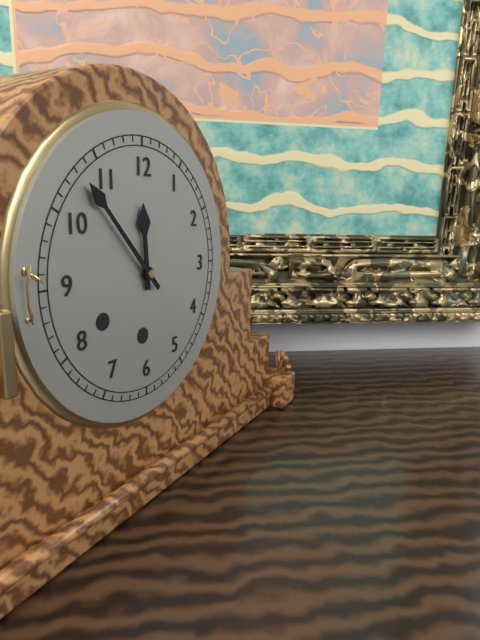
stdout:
11,53
